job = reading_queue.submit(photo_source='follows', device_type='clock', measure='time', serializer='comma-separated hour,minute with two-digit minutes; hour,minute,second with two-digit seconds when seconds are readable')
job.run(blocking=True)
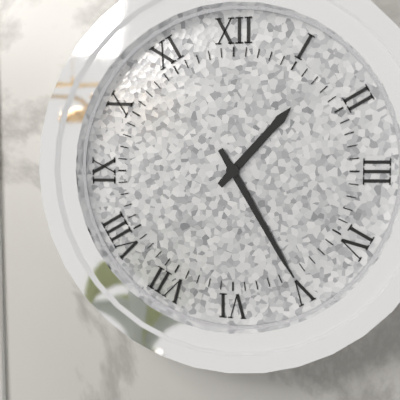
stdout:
1,25
